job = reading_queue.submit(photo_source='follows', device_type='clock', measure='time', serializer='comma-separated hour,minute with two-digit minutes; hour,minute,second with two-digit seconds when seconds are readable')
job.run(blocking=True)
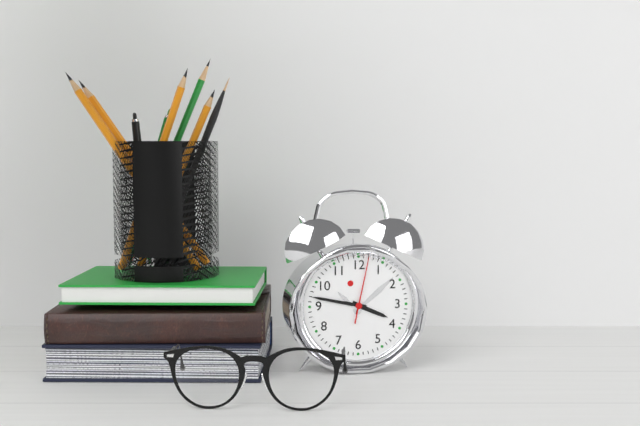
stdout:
3,47,02
